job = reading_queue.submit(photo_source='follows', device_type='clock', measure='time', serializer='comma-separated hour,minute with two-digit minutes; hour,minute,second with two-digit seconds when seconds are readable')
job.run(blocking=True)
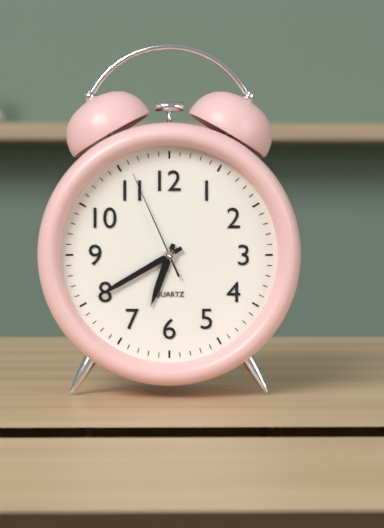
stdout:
6,40,56
